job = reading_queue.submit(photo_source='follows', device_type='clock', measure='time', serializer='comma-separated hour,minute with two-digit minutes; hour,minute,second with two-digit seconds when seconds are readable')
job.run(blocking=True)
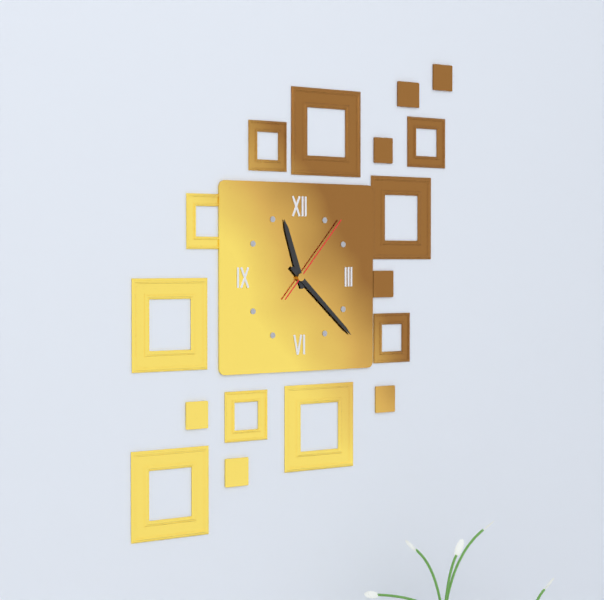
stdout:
11,22,07
